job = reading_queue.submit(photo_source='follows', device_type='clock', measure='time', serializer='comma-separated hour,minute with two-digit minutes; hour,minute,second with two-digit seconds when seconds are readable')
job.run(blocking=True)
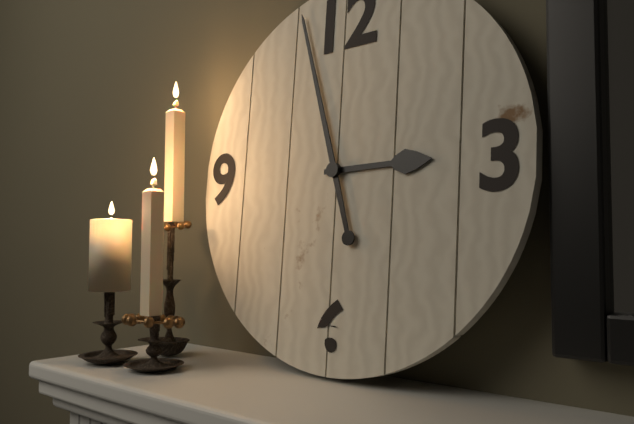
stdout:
2,57
